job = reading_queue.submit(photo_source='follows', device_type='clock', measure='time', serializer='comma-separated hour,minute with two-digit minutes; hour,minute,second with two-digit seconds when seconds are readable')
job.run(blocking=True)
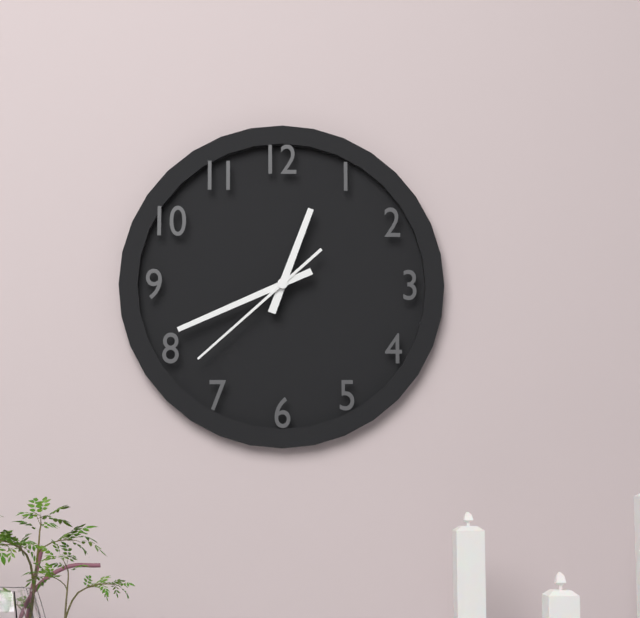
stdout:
12,41,38
